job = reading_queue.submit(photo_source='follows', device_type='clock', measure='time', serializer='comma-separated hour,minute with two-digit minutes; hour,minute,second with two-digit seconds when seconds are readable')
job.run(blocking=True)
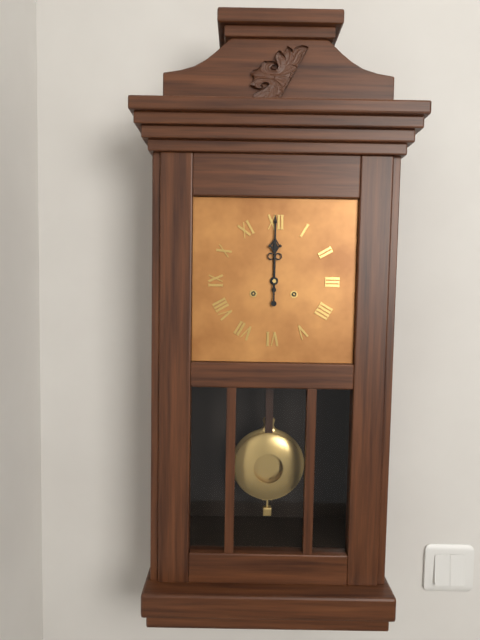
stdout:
12,00
